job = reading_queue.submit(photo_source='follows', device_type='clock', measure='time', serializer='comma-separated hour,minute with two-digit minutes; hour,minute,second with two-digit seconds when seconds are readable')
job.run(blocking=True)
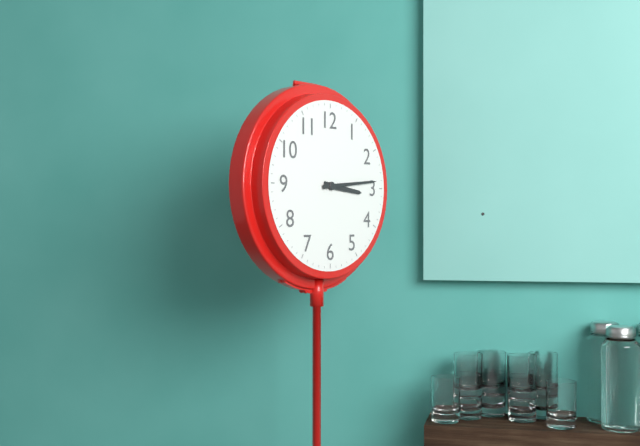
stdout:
3,14
